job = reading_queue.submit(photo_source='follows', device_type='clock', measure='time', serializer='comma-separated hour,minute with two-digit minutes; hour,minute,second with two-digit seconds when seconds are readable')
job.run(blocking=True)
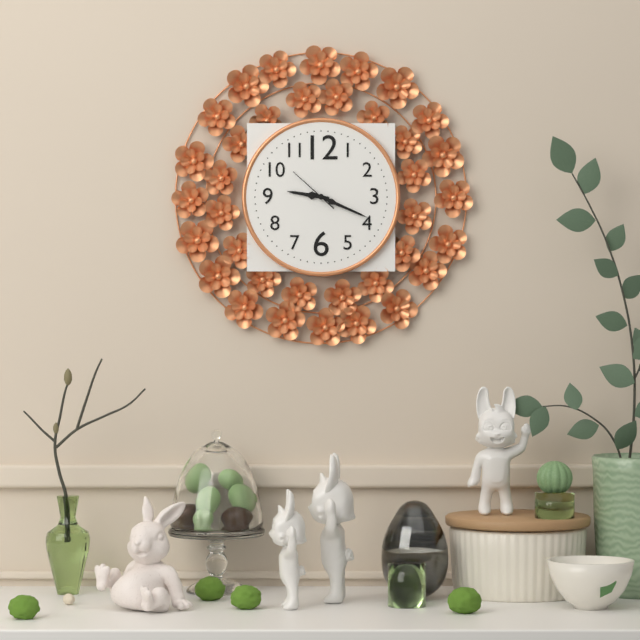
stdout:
9,19
